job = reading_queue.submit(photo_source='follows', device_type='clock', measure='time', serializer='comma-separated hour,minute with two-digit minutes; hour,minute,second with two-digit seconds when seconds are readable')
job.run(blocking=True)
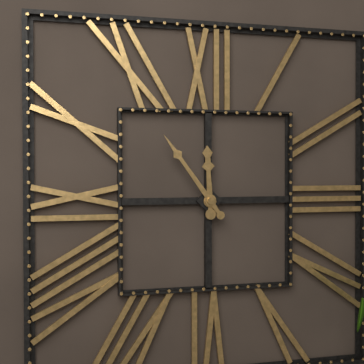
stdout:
11,54
